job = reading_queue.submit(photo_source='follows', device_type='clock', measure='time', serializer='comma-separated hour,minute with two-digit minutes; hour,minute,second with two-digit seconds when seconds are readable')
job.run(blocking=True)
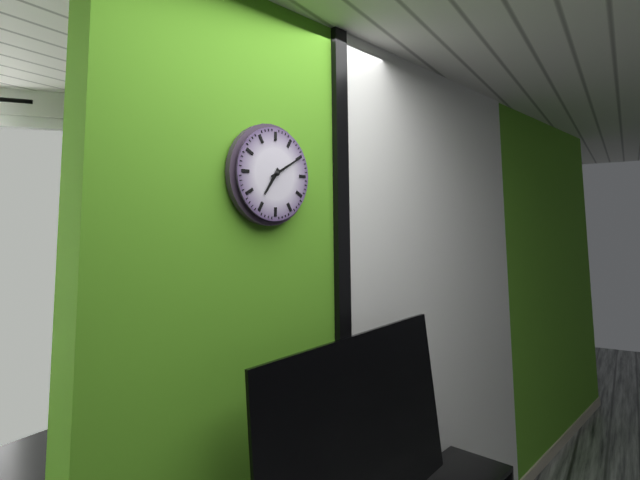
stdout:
7,10
